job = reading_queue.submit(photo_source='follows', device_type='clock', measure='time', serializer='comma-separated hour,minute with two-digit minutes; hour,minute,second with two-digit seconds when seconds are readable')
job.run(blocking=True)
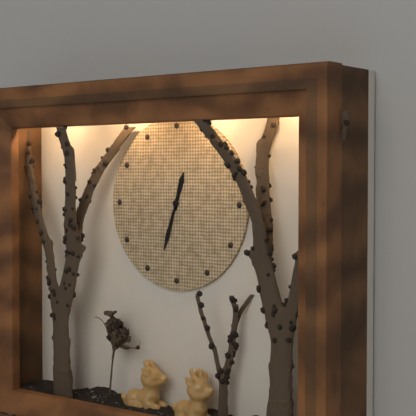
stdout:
12,33
